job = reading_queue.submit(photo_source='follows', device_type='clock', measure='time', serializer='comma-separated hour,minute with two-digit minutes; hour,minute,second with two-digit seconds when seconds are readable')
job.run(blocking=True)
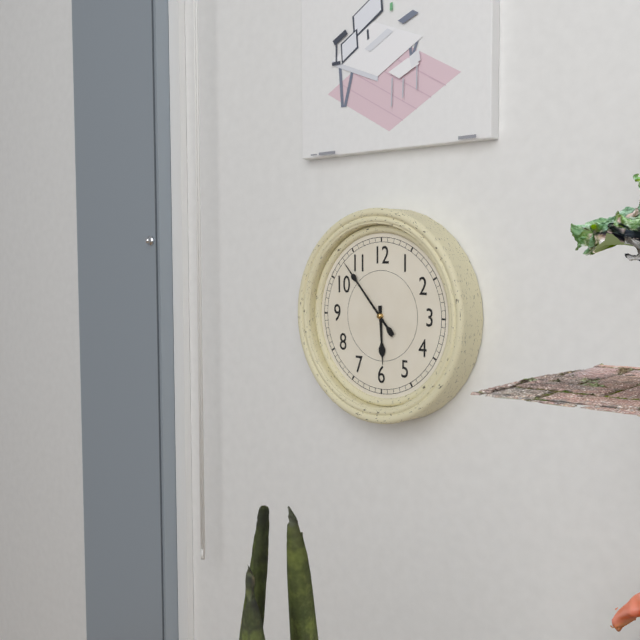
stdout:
5,53
